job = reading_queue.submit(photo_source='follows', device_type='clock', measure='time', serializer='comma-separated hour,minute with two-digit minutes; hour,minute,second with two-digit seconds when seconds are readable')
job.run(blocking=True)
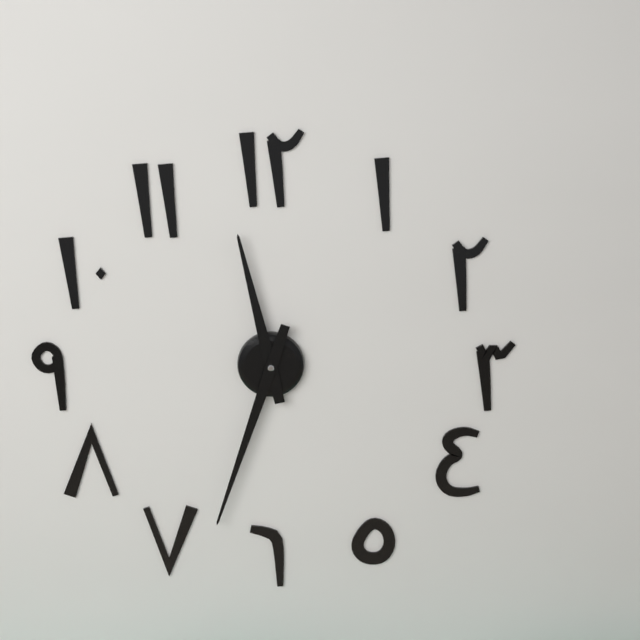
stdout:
11,33
